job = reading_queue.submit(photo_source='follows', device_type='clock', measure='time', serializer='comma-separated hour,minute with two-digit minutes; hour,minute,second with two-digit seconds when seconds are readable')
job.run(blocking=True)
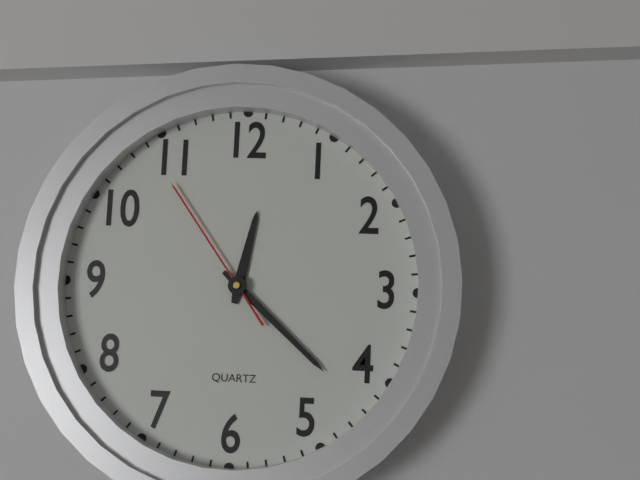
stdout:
12,22,54
